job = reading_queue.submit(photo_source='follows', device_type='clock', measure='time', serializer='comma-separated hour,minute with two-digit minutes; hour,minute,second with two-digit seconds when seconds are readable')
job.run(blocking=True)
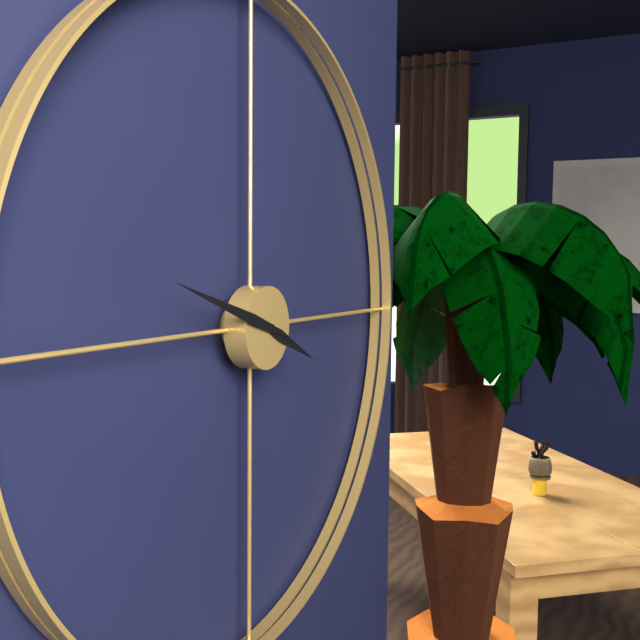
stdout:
3,48
